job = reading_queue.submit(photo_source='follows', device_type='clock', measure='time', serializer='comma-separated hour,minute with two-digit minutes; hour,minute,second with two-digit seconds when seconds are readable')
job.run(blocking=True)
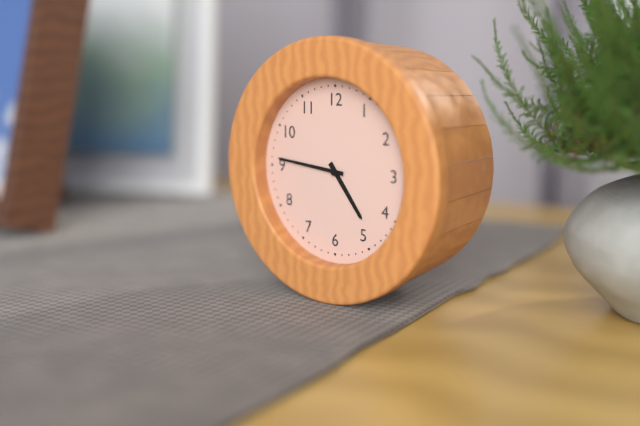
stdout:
4,46
